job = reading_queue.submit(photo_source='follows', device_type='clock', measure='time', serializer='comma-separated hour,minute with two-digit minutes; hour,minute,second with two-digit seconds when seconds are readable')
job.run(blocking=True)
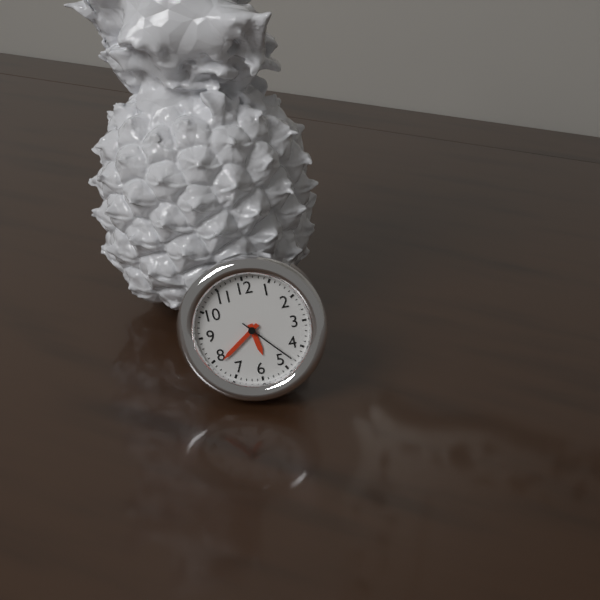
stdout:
5,39,23
